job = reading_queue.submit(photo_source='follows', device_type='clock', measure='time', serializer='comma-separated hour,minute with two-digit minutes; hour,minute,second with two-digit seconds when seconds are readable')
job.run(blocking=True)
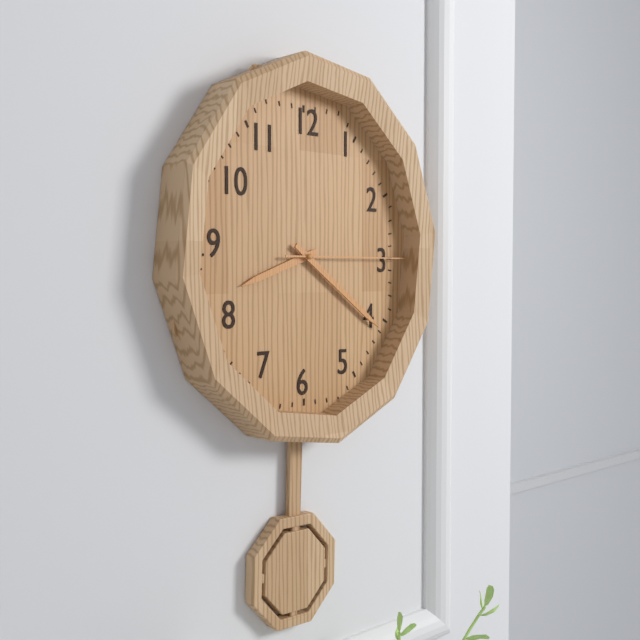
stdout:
8,21,15
